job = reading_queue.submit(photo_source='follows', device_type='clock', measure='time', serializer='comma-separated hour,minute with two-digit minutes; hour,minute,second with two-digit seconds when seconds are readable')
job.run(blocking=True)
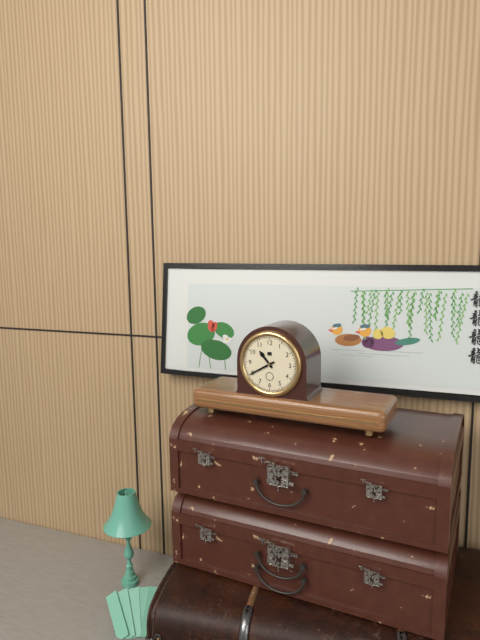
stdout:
10,40
